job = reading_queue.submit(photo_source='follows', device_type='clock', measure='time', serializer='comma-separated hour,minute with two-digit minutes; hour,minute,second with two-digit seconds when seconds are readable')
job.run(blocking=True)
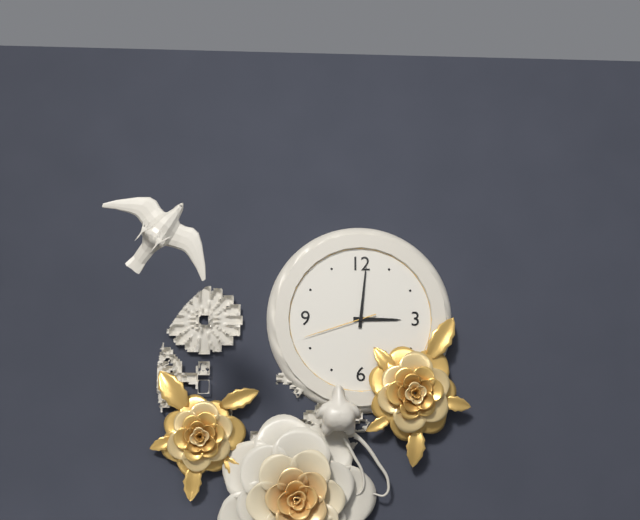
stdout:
3,01,42
